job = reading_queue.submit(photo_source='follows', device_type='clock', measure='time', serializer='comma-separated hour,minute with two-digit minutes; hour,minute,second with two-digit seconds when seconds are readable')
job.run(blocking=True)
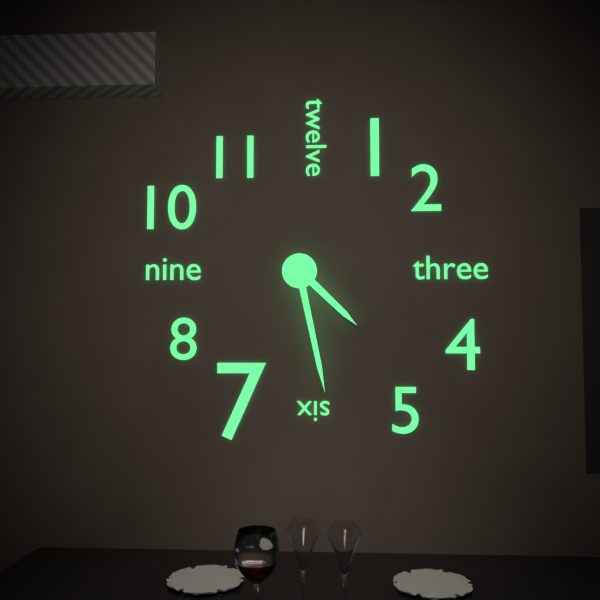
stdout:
4,28
